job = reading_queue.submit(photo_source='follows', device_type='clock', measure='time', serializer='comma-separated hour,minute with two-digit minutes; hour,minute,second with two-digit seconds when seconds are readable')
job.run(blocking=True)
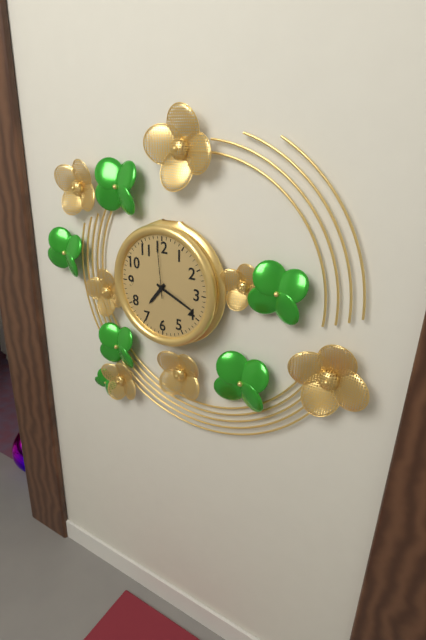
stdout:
7,19,59
